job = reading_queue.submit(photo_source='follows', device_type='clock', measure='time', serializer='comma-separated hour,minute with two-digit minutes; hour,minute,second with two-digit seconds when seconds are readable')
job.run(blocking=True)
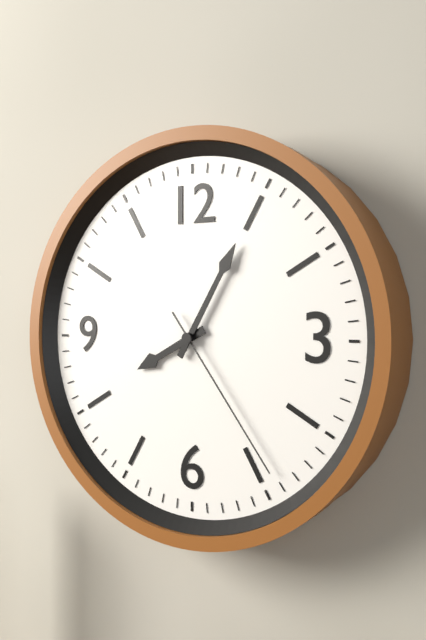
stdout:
8,05,24
